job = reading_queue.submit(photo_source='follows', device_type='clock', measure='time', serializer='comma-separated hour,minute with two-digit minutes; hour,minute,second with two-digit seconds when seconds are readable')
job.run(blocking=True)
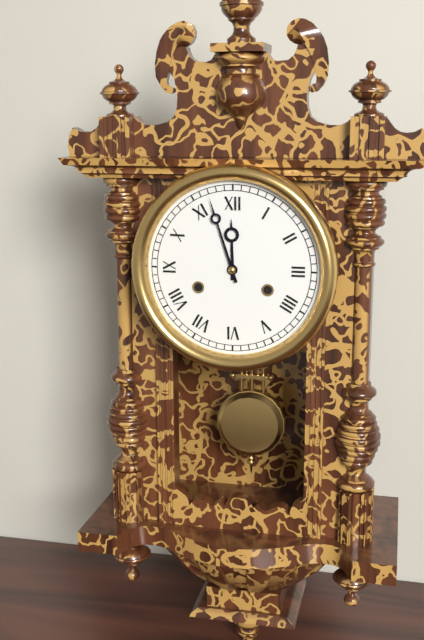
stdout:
11,57
